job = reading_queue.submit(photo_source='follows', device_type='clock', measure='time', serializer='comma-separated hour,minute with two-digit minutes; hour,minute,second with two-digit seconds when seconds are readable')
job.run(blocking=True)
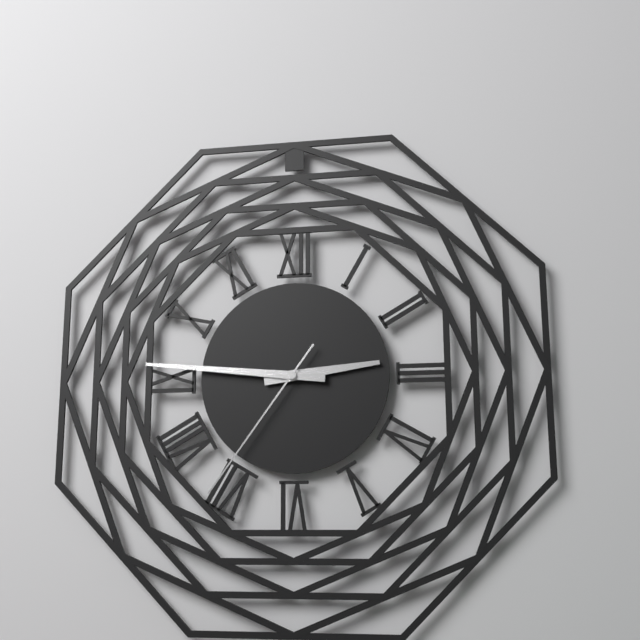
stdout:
2,46,36
